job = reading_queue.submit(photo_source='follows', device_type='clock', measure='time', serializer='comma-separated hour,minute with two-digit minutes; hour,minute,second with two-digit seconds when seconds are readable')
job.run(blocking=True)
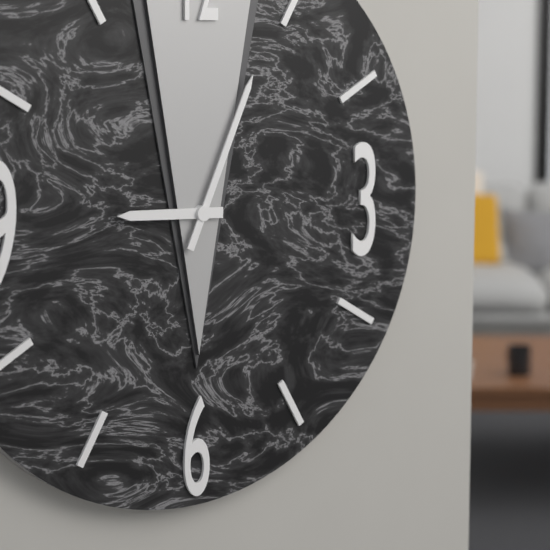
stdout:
9,04
